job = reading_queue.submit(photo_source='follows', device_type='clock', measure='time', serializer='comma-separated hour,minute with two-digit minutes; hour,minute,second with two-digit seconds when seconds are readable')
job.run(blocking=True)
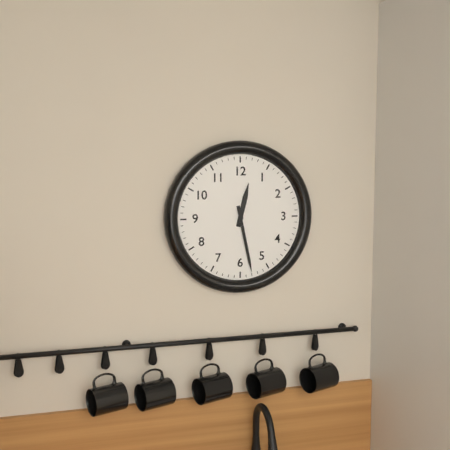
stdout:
12,28
